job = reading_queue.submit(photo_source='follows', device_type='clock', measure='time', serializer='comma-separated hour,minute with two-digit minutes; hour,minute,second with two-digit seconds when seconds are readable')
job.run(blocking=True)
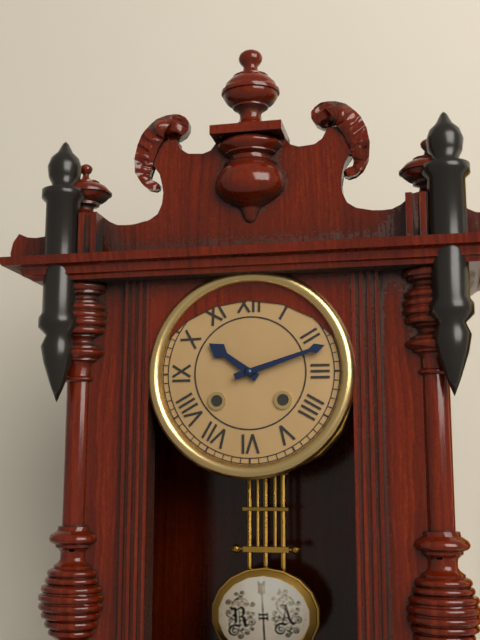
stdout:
10,12
